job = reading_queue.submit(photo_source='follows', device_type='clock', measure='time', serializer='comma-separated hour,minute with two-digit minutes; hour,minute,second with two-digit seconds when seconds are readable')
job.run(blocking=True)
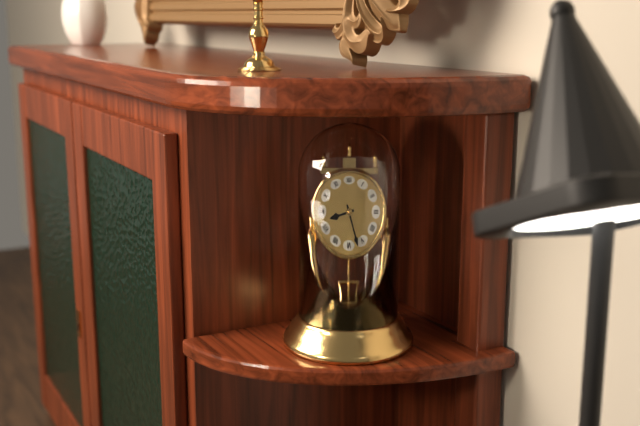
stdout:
8,27
